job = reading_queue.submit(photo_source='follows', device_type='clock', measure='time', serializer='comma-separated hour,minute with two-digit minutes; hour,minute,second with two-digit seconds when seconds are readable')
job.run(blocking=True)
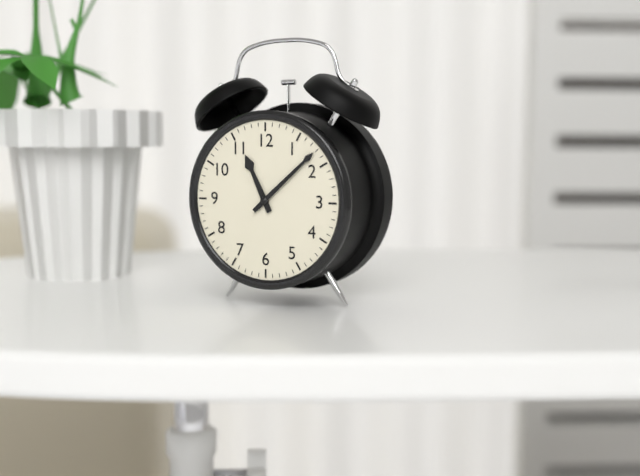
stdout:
11,08
